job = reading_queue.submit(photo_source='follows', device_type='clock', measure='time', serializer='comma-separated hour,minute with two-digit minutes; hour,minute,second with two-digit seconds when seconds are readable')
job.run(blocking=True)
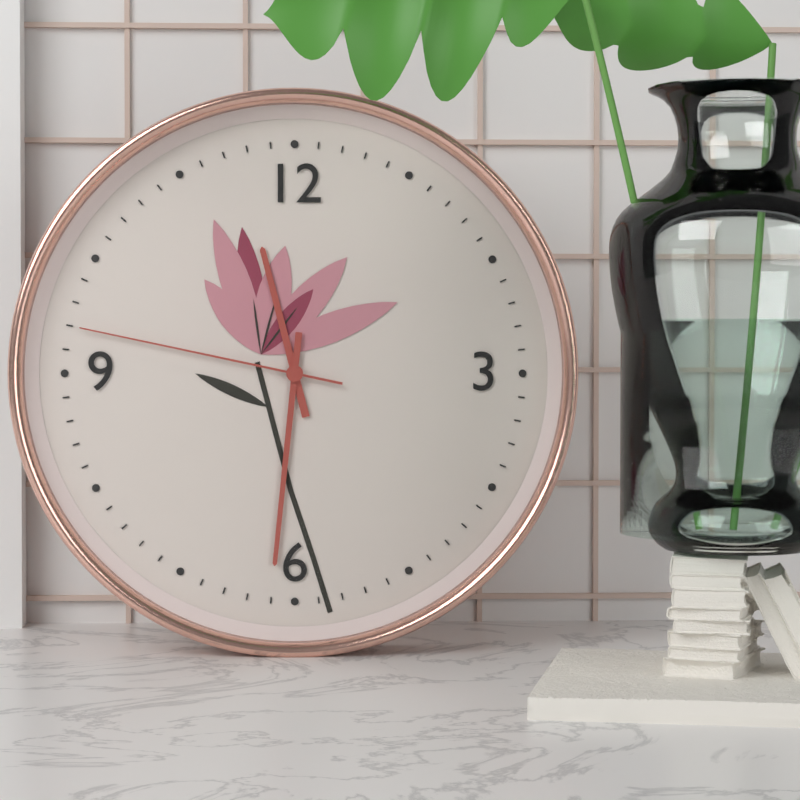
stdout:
11,31,47
